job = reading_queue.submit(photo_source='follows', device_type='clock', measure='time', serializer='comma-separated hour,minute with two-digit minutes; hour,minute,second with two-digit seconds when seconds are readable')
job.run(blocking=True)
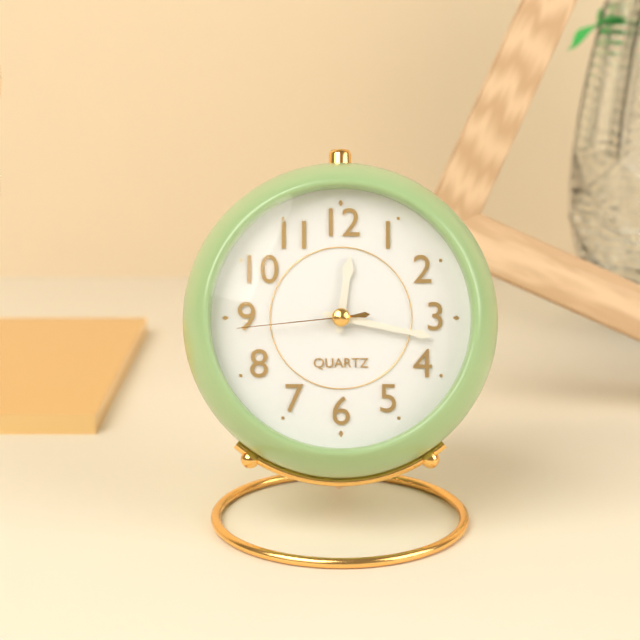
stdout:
12,17,44
